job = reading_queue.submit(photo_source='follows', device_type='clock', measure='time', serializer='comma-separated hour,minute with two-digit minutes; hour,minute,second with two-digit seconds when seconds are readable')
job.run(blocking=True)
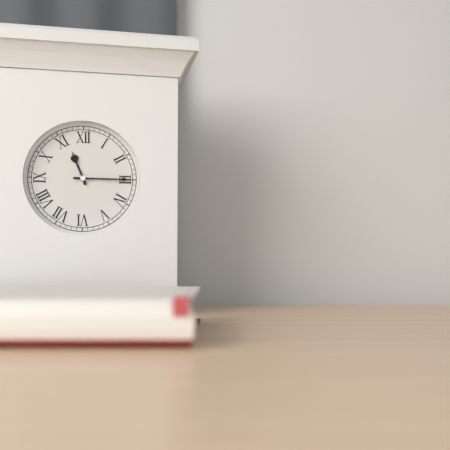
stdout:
11,15
